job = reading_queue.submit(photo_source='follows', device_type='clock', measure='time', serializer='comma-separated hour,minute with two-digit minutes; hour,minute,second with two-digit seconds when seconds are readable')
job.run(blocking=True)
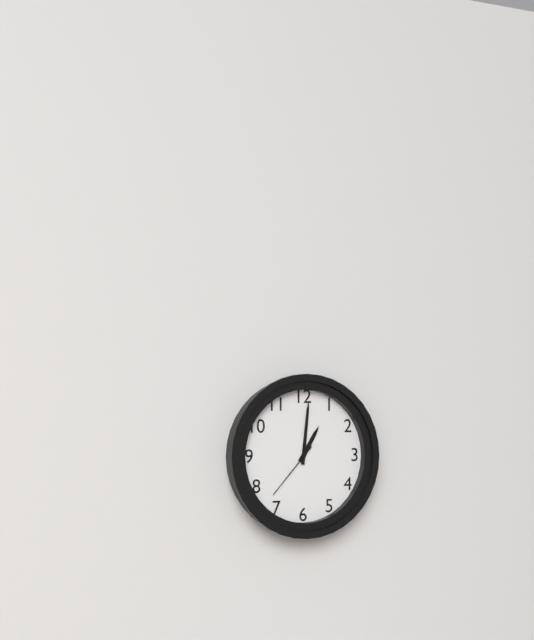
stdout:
1,01,37
